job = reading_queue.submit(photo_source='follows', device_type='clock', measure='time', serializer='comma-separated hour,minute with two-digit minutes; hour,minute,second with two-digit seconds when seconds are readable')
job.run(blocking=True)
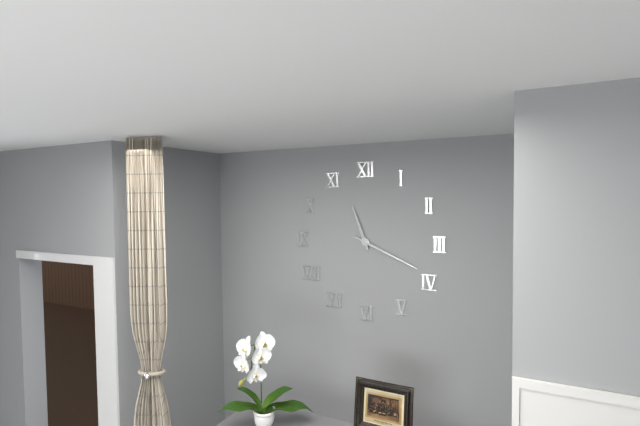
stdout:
11,19
